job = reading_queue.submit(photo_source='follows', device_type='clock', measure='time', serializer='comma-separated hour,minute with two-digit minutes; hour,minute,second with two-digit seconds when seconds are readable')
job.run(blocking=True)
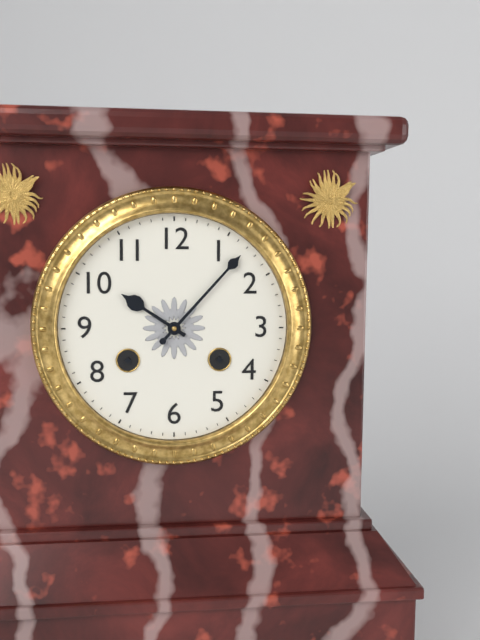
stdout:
10,07
